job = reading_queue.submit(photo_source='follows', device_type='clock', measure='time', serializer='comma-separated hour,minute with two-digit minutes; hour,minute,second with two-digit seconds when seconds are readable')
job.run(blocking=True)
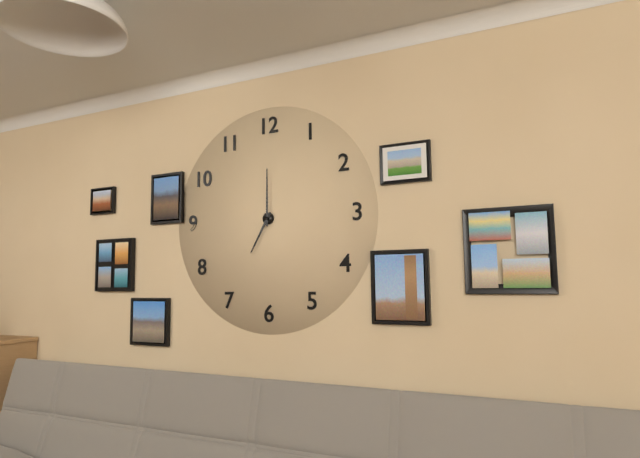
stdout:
7,00
